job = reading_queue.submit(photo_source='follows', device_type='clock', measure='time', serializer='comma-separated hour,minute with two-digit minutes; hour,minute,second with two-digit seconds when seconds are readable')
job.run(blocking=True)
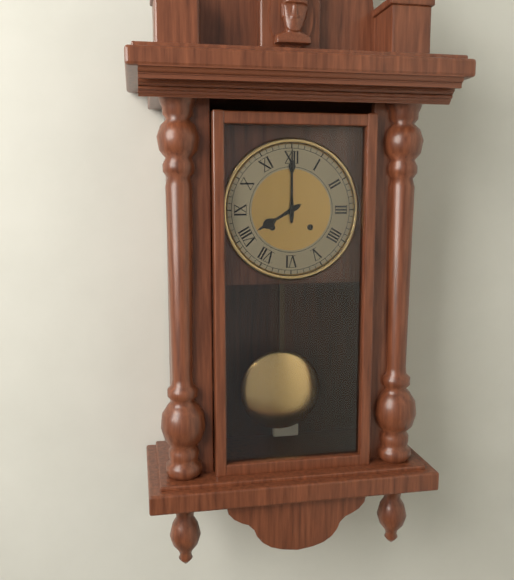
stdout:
8,00
